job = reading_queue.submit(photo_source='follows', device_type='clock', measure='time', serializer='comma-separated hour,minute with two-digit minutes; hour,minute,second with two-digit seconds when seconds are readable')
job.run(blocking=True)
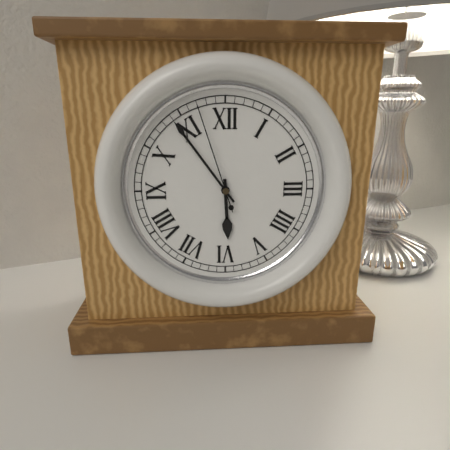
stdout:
5,54,57
